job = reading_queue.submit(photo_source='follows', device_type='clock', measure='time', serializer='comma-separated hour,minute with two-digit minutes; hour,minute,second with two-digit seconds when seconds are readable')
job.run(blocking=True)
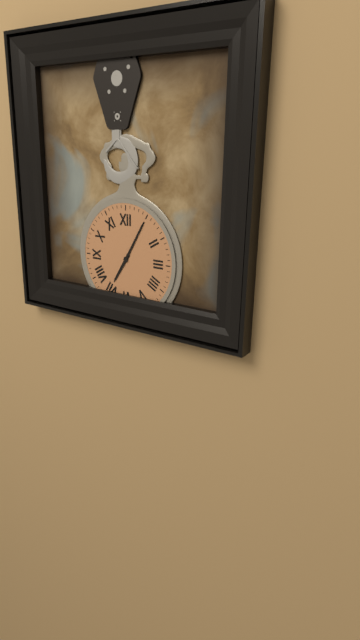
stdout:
7,05
